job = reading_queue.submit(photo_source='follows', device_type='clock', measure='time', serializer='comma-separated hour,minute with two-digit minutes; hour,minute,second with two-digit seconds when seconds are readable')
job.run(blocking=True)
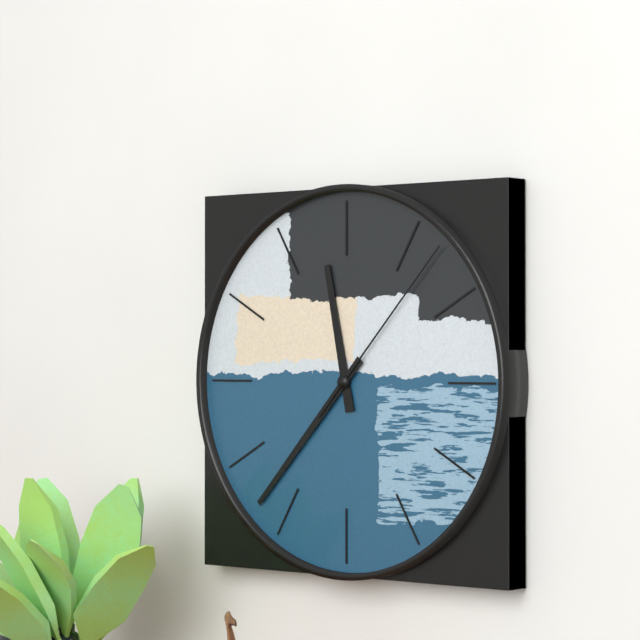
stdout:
11,37,07
